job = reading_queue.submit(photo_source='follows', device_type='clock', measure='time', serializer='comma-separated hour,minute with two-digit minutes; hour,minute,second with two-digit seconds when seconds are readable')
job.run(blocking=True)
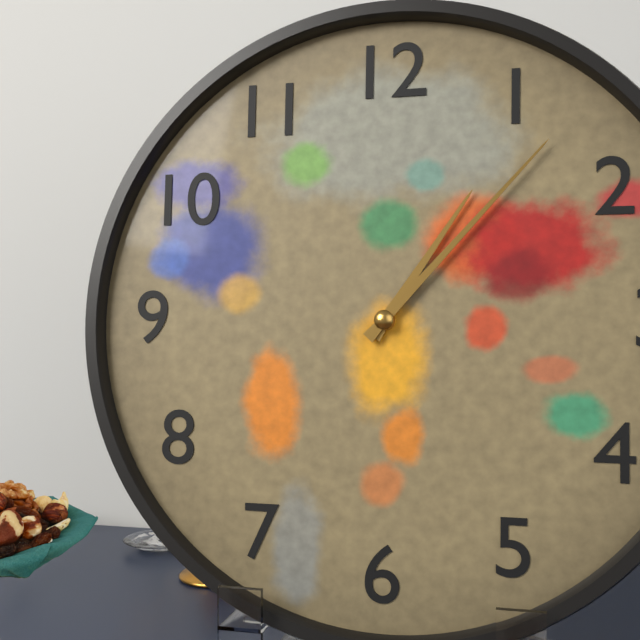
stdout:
1,07
